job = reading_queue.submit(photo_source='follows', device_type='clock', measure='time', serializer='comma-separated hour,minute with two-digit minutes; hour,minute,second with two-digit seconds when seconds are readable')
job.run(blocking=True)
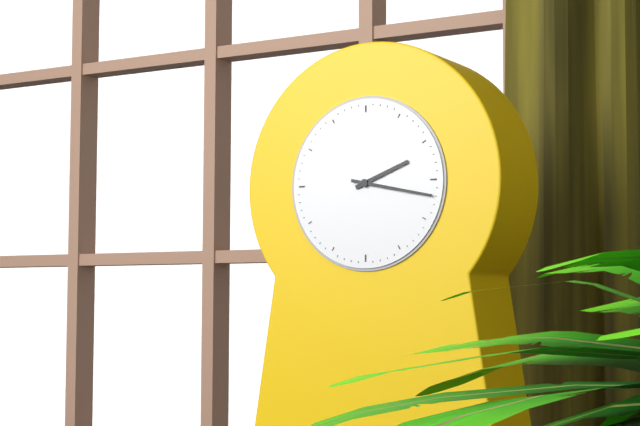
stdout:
2,17
